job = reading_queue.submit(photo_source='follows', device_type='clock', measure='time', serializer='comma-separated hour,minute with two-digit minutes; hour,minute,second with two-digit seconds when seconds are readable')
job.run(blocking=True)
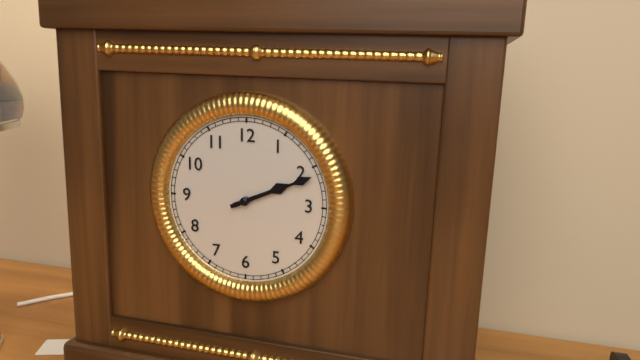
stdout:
2,11
